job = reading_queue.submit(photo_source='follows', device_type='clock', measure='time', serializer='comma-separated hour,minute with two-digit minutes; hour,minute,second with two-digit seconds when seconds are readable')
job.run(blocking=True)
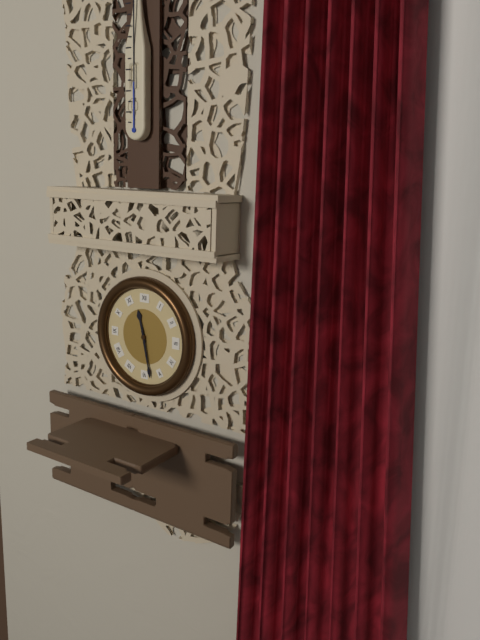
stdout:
11,28
